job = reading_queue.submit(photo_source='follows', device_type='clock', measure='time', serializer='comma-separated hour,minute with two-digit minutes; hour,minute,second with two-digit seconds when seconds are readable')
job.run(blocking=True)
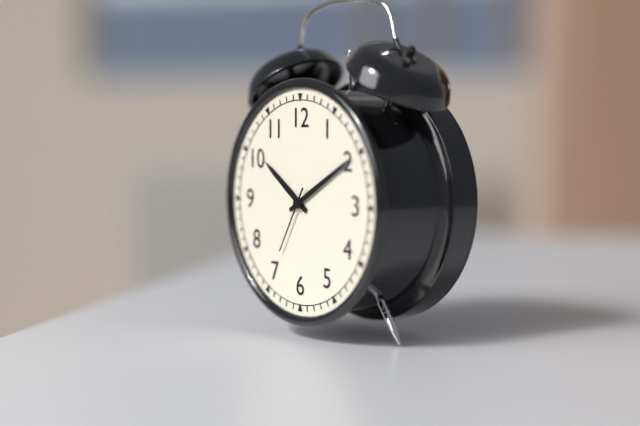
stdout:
10,10,35
